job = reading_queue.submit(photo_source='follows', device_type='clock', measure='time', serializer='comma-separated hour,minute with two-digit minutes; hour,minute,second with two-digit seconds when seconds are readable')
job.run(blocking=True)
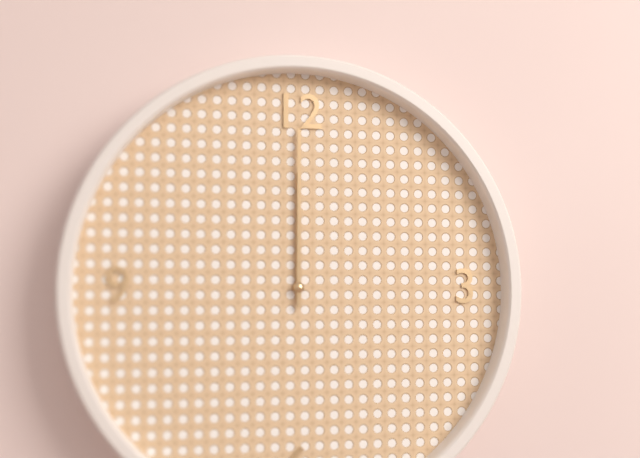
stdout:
12,00
